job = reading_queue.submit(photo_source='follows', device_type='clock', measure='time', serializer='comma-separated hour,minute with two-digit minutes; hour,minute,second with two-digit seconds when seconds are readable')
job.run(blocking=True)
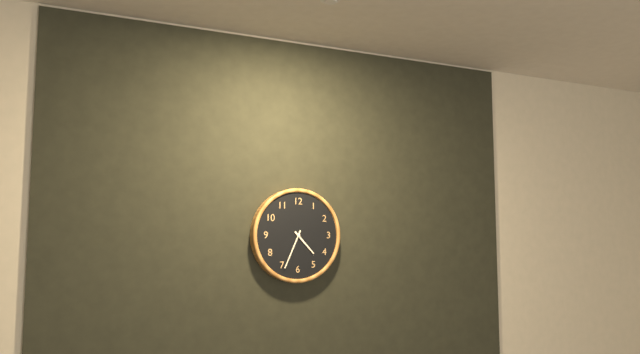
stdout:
4,34
